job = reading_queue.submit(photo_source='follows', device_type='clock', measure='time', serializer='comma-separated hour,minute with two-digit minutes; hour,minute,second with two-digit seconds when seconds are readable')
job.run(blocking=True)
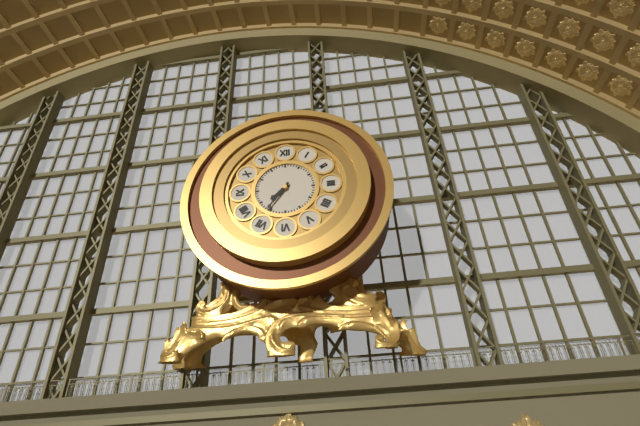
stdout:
7,36
